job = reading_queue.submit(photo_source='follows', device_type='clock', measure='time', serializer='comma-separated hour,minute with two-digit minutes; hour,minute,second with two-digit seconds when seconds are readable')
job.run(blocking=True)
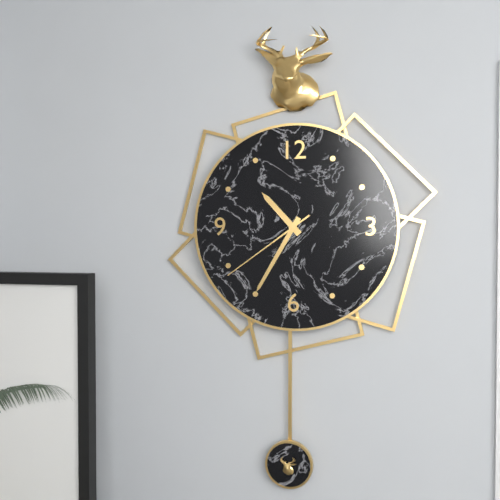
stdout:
10,35,39
